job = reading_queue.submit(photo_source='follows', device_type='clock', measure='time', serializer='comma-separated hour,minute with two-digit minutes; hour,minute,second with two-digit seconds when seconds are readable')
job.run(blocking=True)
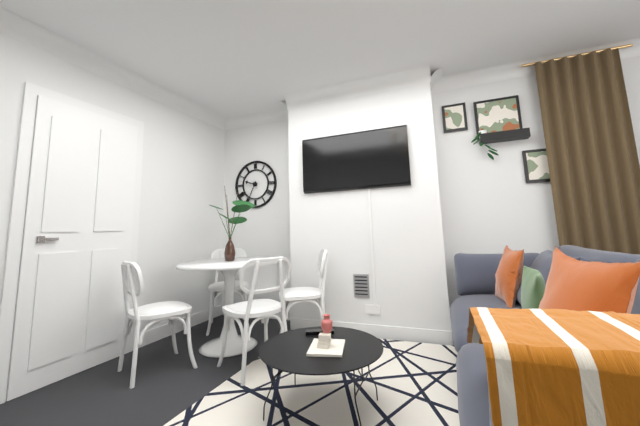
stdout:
9,34
